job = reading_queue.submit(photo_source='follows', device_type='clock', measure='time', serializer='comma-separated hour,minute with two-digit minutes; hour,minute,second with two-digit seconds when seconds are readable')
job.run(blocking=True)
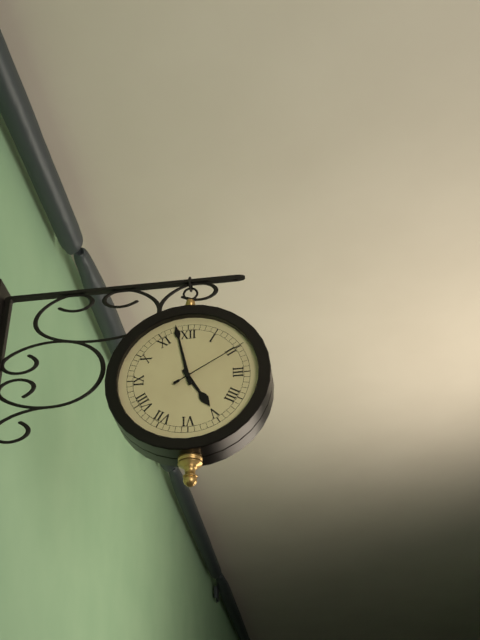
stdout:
4,58,10
